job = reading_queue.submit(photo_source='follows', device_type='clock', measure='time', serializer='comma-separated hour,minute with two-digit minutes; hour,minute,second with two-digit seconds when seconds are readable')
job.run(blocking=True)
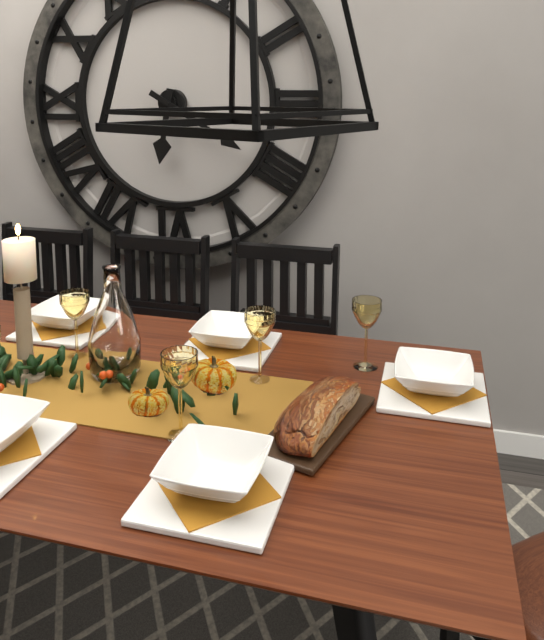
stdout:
6,20
